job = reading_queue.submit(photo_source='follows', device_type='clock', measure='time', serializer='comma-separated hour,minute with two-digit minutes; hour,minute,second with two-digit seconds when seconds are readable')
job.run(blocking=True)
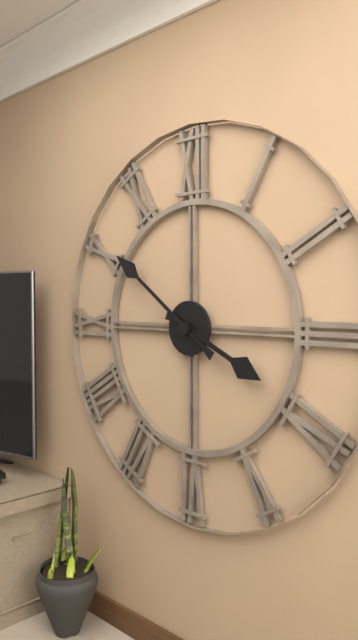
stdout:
3,51
